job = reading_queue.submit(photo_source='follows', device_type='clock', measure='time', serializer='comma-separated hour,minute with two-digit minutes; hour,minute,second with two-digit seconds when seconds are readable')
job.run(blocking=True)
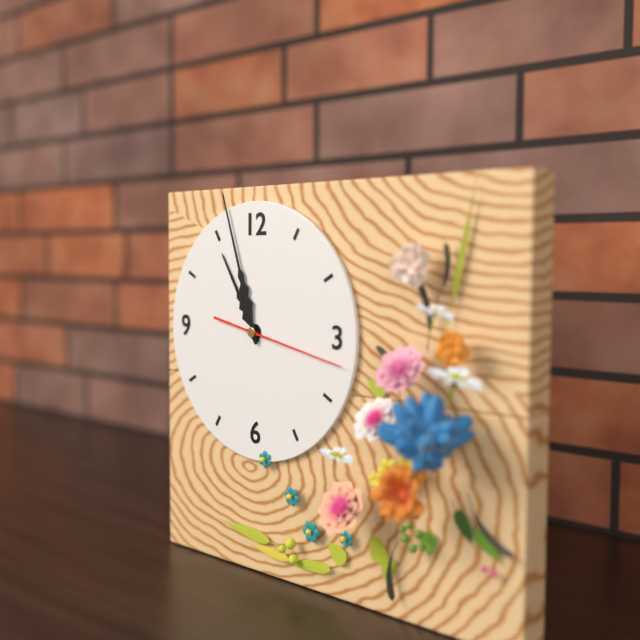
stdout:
10,57,17
